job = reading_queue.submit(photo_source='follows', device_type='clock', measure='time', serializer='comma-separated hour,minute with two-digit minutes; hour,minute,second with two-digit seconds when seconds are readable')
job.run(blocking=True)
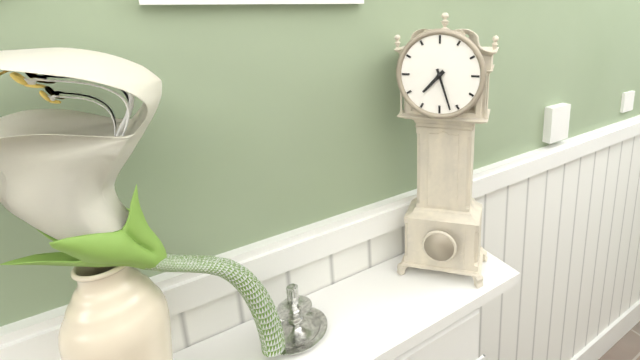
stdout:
7,27
